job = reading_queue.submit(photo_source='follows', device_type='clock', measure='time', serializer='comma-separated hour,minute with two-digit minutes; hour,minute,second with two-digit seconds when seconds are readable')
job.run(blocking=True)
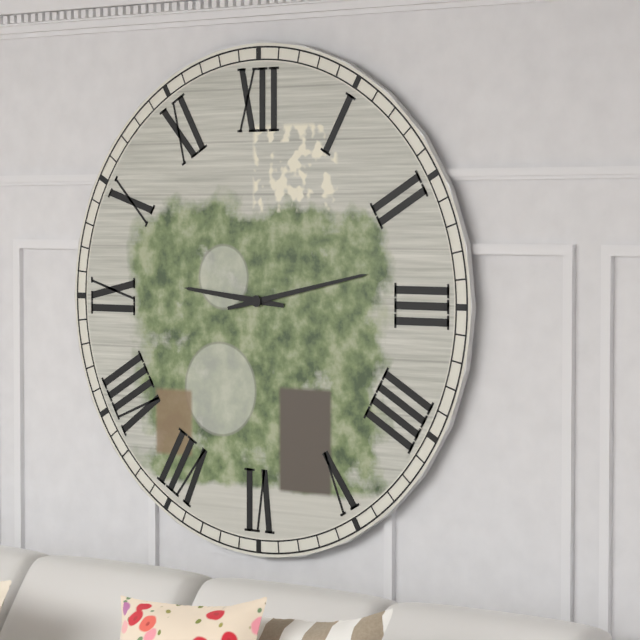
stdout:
9,13
